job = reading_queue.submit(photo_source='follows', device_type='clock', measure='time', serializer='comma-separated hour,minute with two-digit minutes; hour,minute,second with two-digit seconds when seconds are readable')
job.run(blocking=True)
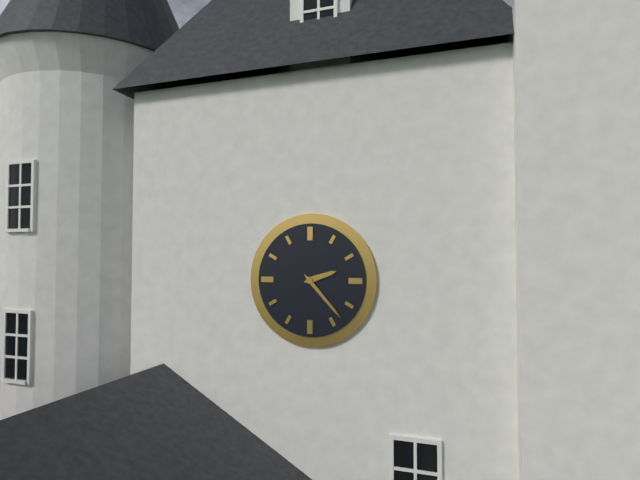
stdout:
2,23
